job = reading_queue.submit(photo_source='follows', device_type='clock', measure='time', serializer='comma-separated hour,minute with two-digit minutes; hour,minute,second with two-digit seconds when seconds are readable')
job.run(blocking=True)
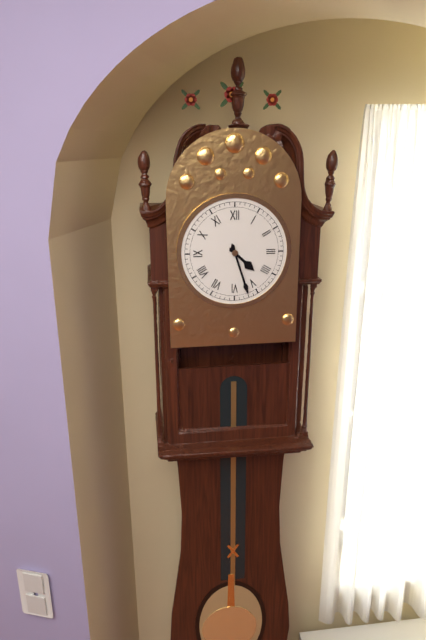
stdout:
4,27
